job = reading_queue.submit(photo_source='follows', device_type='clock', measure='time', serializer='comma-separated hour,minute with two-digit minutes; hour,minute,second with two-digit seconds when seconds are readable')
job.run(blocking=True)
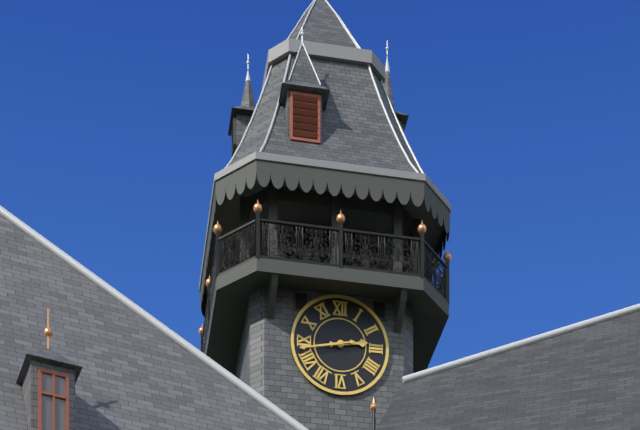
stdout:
2,43
